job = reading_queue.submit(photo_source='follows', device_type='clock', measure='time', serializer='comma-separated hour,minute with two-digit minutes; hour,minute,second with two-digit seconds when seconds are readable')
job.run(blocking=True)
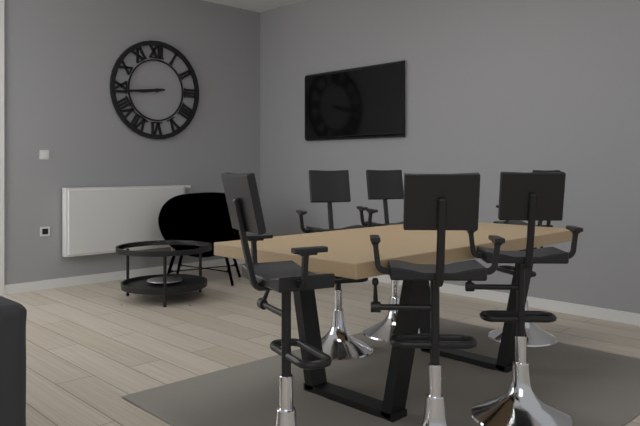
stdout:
8,44
